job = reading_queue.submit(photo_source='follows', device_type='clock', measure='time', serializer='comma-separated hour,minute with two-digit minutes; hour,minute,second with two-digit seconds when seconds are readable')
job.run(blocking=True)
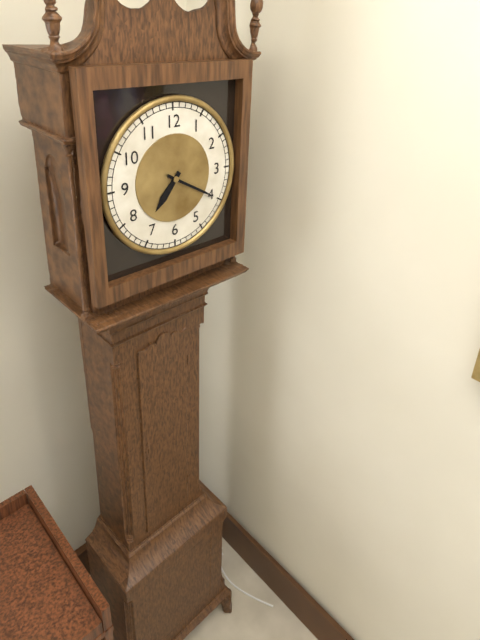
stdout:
7,20
